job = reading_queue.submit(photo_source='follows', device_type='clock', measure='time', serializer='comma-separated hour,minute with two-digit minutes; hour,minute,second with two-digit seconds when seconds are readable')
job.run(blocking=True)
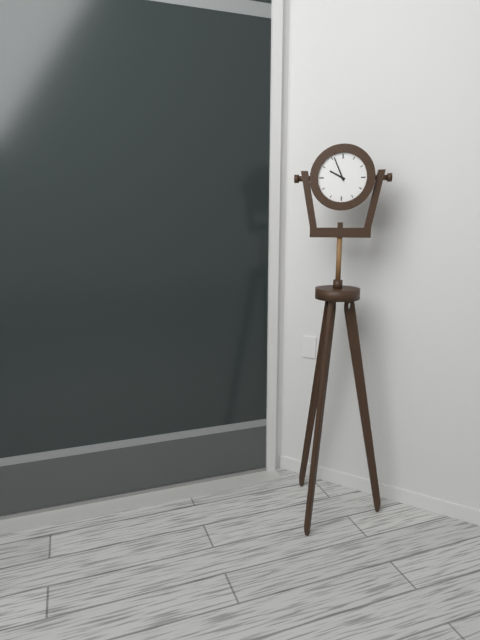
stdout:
9,56
